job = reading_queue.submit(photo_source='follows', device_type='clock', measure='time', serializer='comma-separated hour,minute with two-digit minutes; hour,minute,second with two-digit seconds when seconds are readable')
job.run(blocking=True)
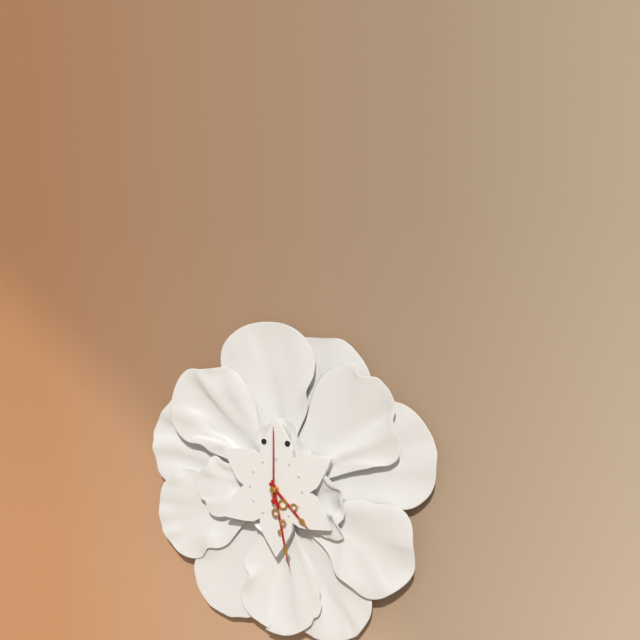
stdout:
4,28,00
